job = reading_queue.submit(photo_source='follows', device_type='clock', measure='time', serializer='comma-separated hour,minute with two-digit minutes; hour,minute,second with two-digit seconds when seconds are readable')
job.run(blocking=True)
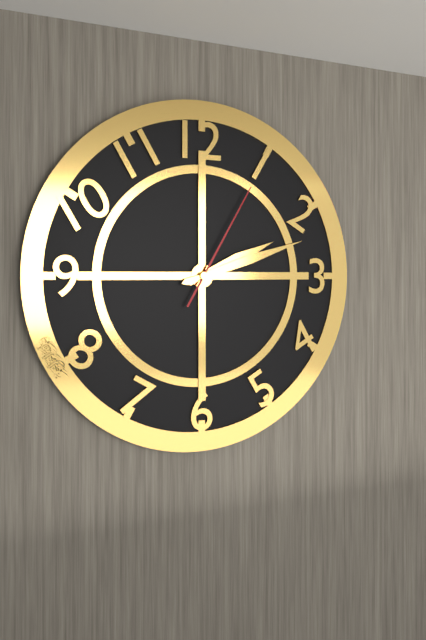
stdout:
2,12,05
